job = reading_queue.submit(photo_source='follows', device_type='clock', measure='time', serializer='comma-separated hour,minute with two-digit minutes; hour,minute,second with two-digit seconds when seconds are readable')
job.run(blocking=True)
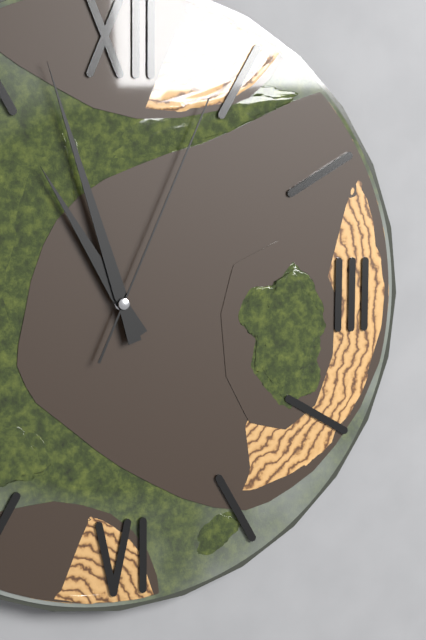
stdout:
10,57,04
